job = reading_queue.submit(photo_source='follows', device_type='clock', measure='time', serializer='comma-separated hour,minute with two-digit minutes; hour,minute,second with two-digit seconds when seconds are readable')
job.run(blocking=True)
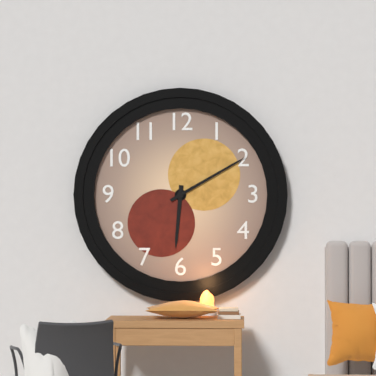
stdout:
6,10
